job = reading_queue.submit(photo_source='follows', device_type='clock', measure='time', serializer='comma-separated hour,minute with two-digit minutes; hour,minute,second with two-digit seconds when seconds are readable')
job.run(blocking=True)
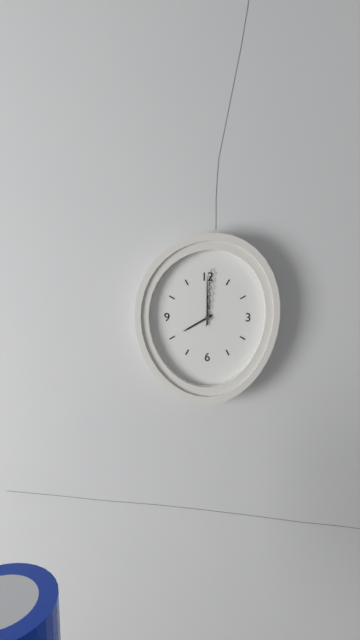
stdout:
8,00,01
